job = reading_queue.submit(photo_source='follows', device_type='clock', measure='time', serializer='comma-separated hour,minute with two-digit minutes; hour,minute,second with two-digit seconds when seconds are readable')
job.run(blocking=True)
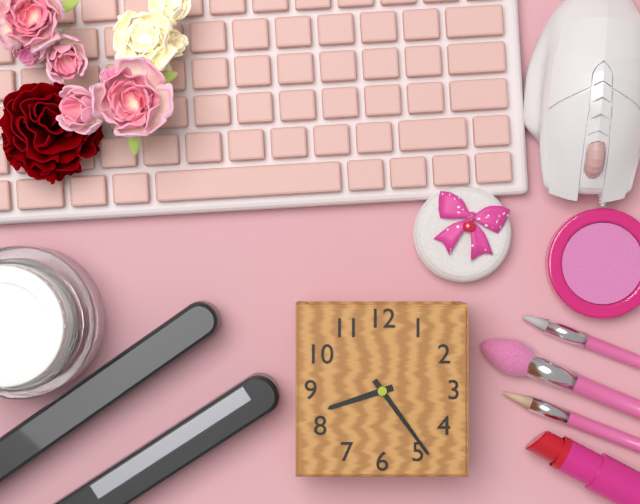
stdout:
8,24
